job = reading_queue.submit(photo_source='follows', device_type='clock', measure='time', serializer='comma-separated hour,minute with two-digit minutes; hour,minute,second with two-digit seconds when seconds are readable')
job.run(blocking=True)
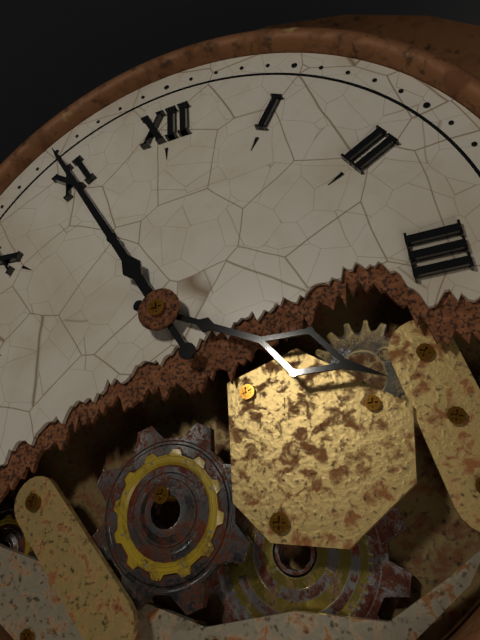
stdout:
3,55
